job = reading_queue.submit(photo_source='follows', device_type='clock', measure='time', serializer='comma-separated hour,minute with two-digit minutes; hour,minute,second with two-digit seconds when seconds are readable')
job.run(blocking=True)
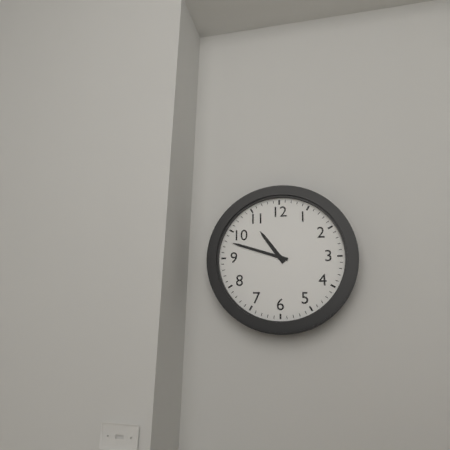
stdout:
10,48
